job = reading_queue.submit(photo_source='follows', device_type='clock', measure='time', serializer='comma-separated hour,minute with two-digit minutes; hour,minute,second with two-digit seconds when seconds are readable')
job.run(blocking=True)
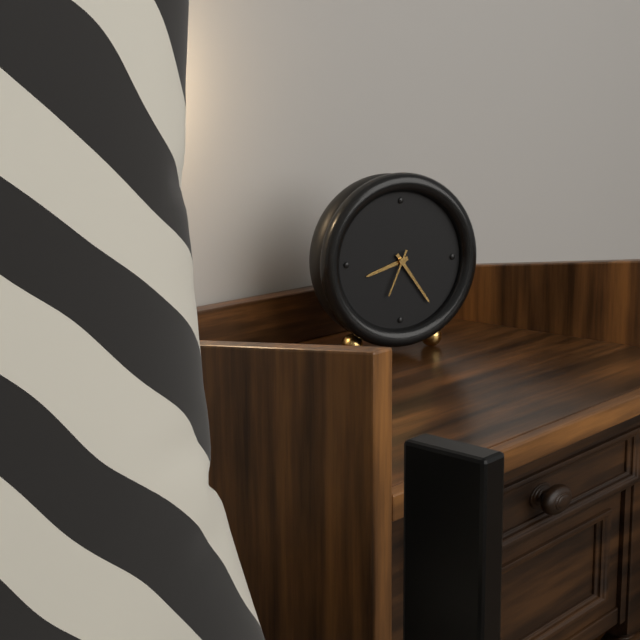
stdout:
8,24
